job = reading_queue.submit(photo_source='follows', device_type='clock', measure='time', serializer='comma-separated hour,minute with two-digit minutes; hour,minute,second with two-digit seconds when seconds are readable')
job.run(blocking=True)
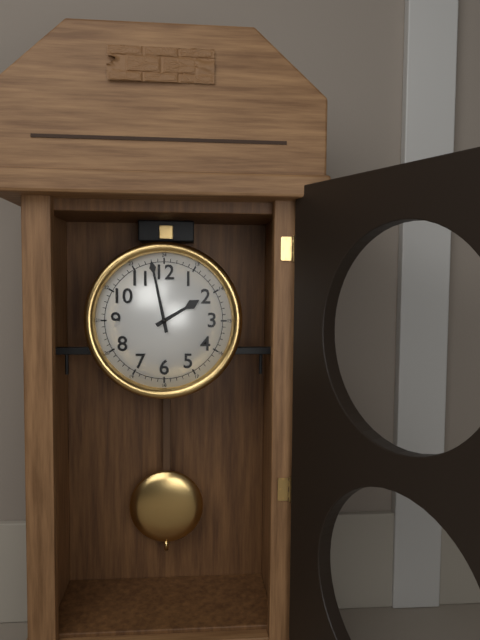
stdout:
1,58
